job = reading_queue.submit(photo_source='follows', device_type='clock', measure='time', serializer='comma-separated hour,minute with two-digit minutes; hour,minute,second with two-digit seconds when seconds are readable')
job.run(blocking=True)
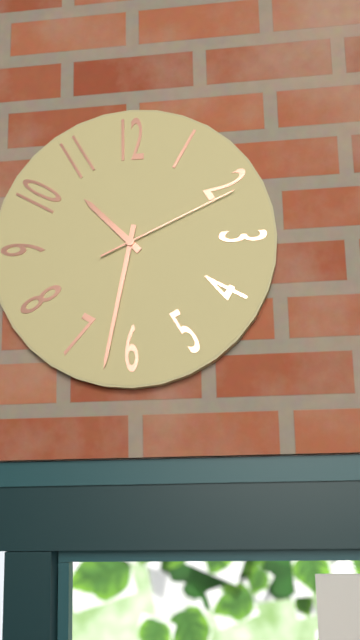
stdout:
10,32,11
